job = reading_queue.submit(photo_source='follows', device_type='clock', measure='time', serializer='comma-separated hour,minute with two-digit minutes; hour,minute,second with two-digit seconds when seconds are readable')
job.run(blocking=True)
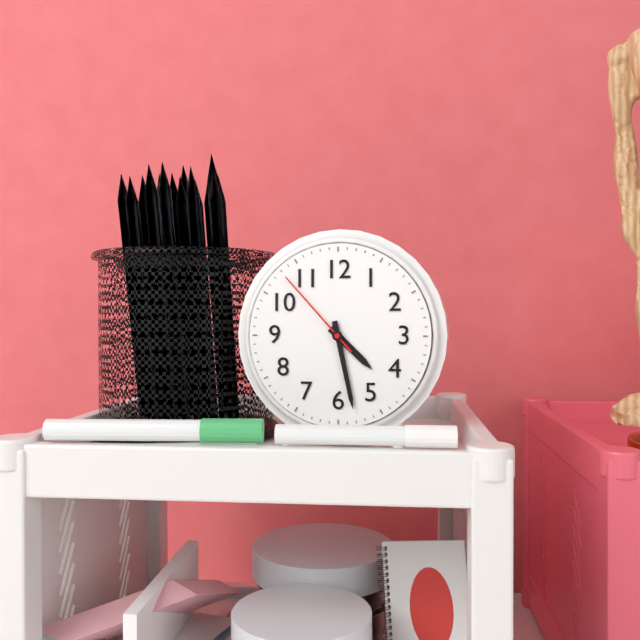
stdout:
4,28,53
